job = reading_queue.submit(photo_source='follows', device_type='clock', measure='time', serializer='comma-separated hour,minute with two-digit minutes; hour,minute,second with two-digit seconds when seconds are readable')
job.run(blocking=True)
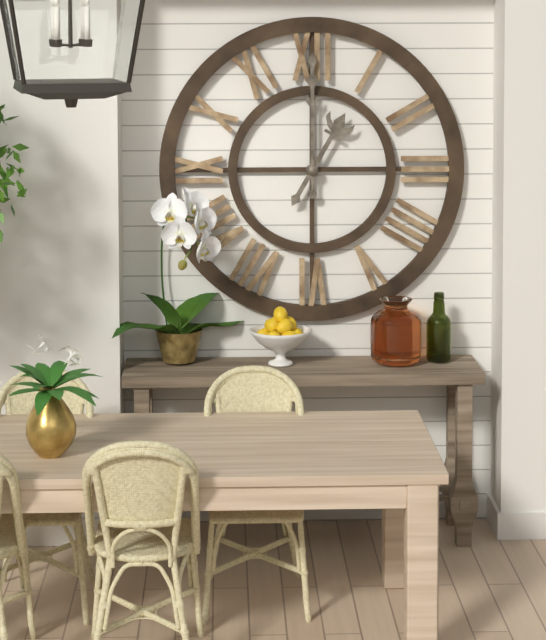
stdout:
1,00
